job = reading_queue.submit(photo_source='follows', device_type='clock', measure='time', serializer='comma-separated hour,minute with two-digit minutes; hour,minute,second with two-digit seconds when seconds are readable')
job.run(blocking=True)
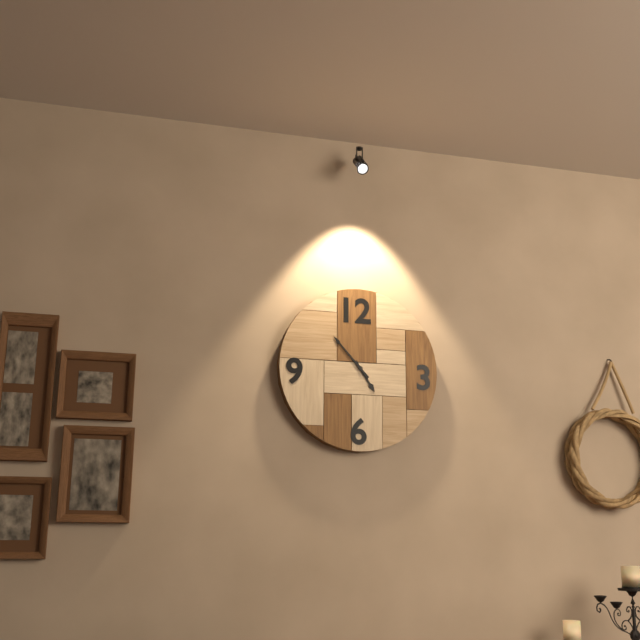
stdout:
4,53
